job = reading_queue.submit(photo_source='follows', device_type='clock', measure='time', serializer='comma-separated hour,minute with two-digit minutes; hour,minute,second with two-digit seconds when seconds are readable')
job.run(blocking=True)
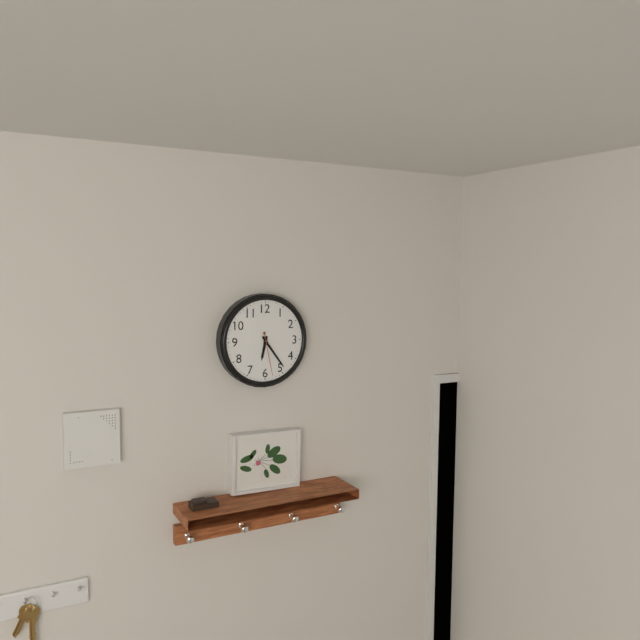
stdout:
6,24
